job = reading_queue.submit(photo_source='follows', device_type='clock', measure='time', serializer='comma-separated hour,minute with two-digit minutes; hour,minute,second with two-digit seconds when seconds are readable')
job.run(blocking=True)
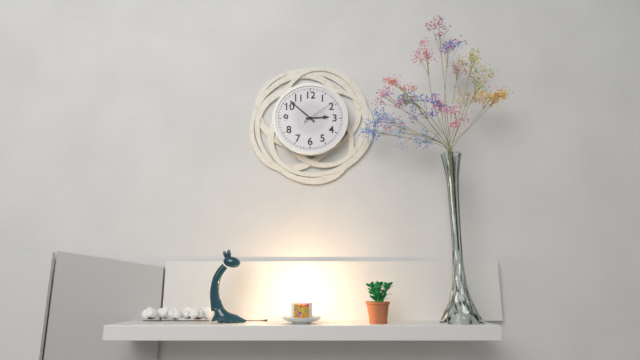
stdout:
2,52
